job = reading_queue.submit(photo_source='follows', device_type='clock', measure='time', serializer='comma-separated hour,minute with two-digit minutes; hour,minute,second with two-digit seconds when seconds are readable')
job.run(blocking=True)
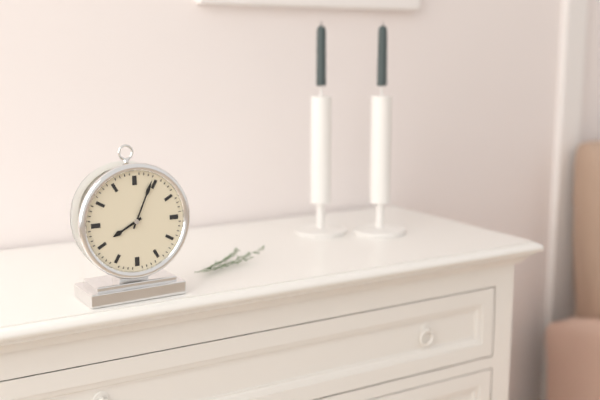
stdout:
8,04
